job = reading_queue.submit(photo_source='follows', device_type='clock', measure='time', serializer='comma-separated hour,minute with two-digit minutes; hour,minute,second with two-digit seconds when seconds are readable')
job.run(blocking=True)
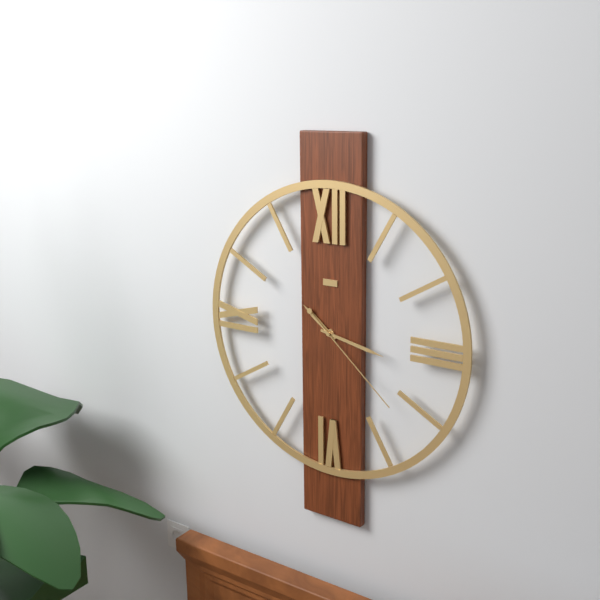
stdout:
10,17,22
